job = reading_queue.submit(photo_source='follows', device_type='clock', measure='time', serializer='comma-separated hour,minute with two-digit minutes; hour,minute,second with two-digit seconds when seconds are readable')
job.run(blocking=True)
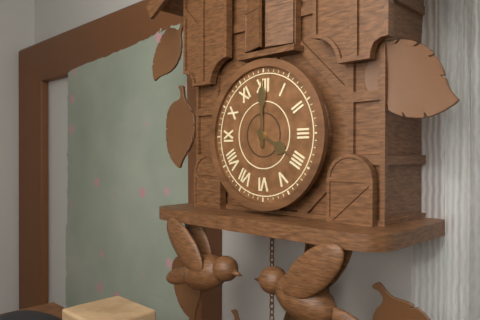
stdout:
4,00
